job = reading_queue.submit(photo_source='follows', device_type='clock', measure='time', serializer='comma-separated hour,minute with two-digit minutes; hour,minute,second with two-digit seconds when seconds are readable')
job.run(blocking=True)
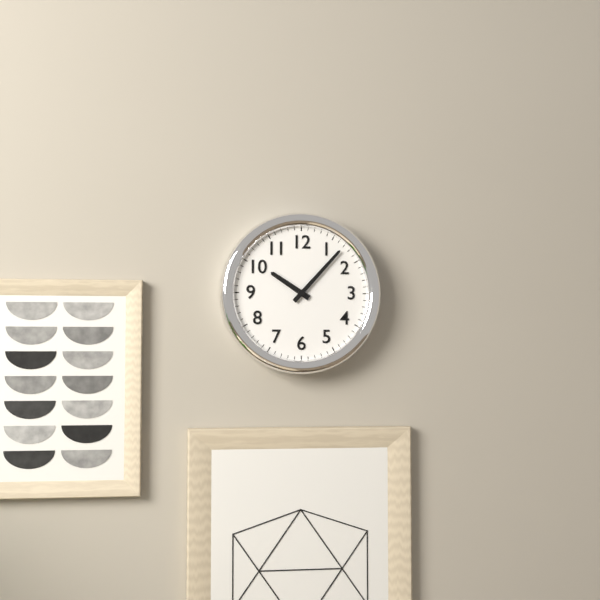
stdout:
10,07
